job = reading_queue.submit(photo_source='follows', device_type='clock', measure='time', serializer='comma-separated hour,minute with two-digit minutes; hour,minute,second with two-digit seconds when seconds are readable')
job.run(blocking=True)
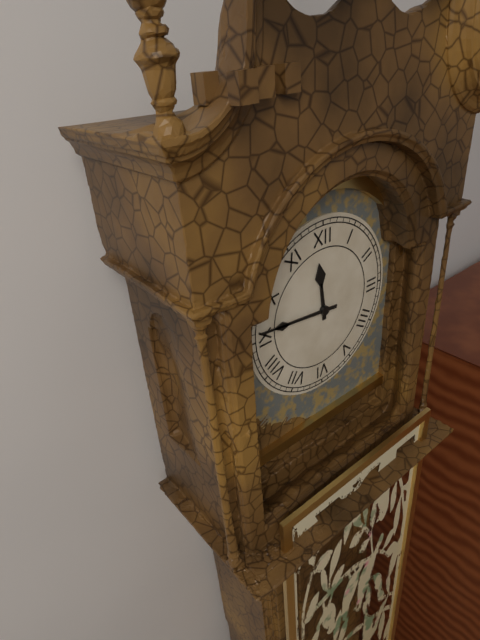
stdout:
11,46
